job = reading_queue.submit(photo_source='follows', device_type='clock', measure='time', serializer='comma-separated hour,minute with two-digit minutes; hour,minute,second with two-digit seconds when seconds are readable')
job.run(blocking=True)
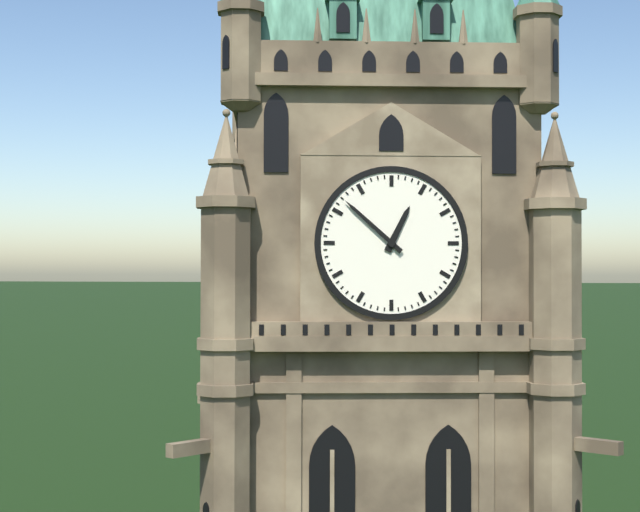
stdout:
12,52
